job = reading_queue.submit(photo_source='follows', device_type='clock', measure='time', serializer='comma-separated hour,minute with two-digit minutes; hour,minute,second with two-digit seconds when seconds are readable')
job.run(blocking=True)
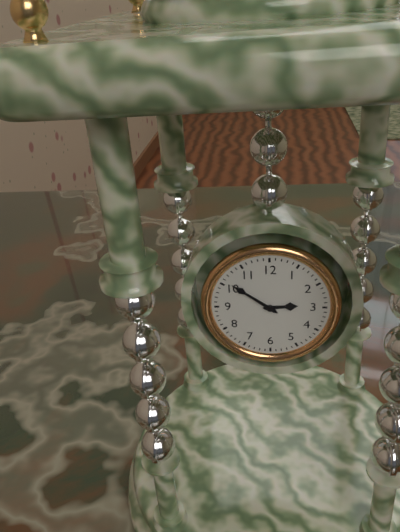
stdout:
2,51
